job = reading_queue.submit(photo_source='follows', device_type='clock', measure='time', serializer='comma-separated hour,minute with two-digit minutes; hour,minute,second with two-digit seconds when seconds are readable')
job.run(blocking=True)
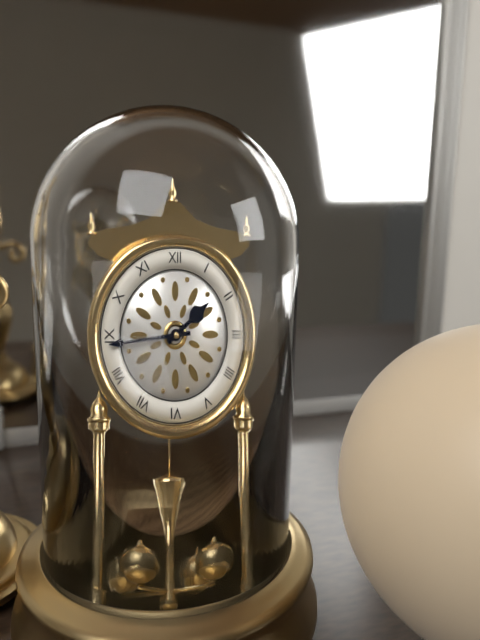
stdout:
1,44
